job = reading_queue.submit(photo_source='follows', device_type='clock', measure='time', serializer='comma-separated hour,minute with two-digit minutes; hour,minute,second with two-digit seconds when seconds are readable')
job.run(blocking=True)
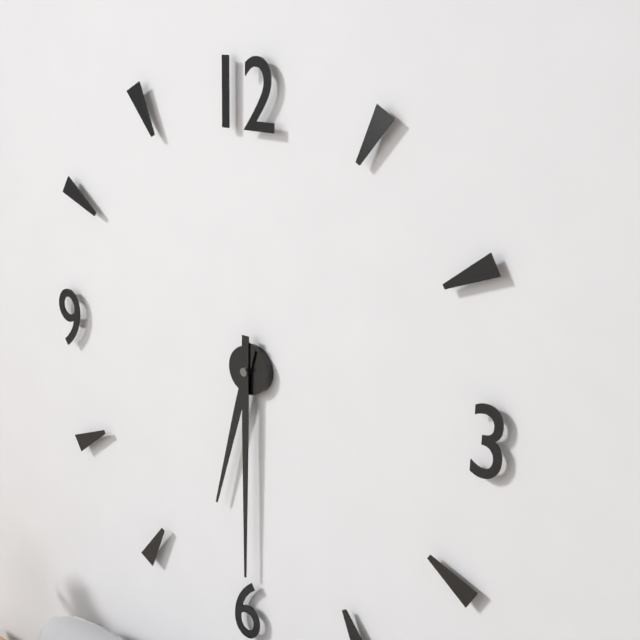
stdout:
6,30
